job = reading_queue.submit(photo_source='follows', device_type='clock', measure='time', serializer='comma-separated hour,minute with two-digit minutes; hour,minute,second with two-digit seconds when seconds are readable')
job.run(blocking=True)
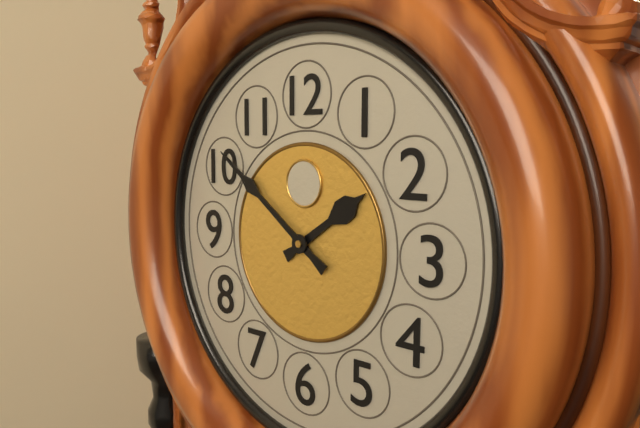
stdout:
1,51
